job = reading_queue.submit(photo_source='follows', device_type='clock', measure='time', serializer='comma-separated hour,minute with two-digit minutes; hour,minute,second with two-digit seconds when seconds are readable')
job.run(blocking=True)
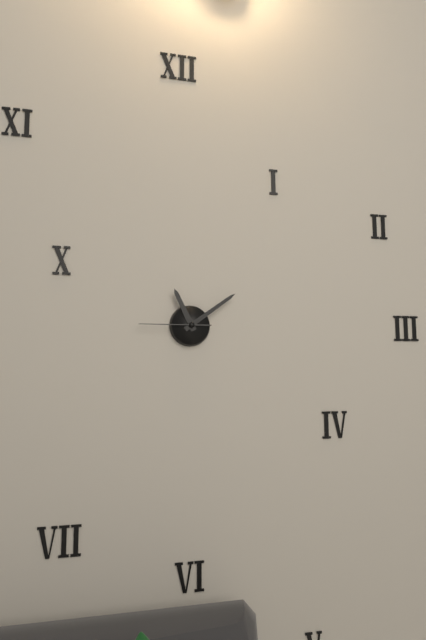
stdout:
11,09,45
